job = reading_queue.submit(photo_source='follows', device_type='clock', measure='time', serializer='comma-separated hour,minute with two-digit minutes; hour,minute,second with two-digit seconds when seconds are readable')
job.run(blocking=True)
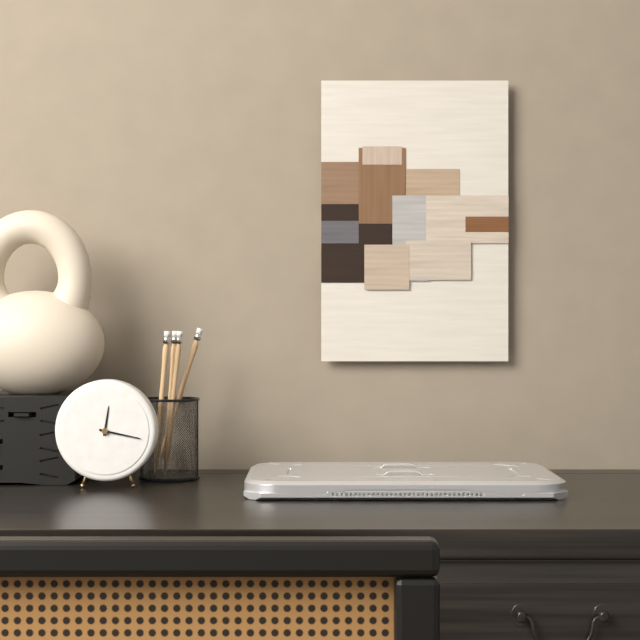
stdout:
12,17
